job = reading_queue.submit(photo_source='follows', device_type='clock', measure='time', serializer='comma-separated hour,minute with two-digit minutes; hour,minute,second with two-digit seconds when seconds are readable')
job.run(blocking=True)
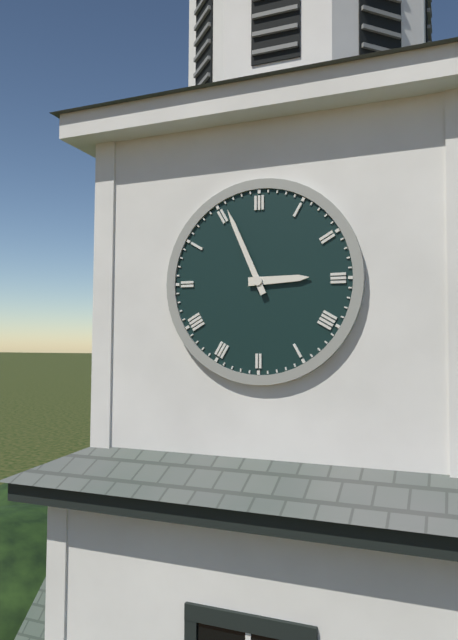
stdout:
2,56
